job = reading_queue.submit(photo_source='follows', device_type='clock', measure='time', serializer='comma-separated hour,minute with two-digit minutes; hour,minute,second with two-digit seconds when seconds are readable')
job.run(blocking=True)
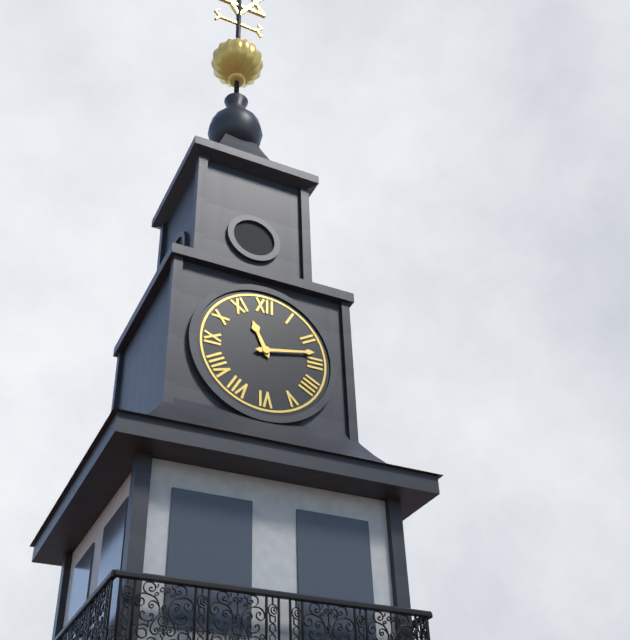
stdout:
11,13
